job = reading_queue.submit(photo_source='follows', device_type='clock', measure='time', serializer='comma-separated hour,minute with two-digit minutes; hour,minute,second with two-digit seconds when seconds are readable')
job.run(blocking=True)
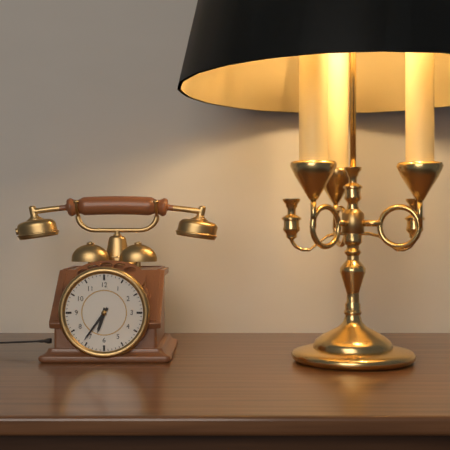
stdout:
6,36
